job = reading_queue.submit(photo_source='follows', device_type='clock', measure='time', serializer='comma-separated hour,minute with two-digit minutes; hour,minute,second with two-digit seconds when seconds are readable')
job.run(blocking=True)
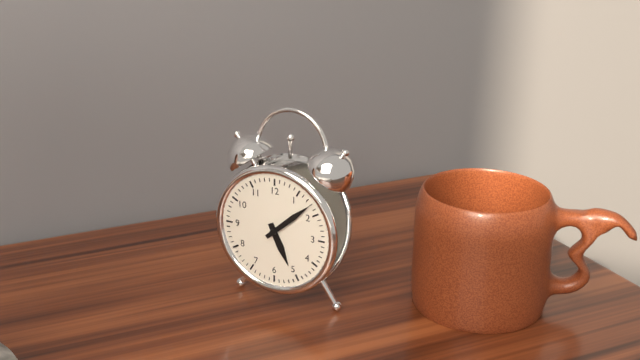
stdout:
5,08
